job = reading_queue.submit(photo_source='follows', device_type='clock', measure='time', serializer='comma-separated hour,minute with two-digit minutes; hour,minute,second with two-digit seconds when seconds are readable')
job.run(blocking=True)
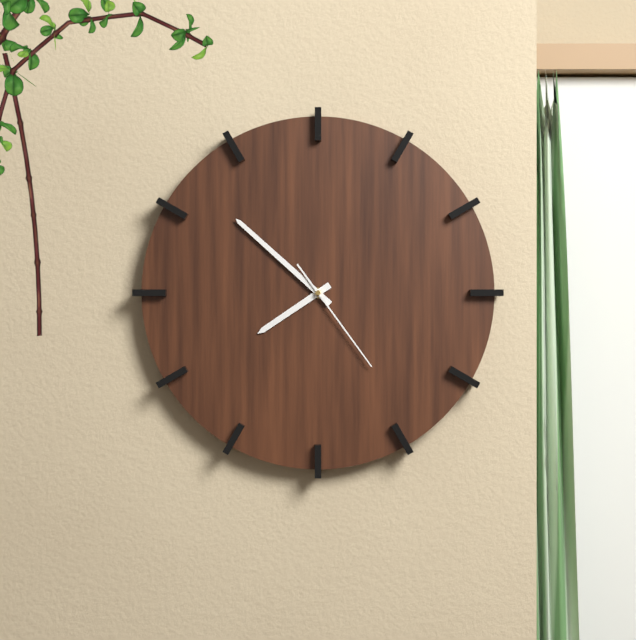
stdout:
7,52,24
